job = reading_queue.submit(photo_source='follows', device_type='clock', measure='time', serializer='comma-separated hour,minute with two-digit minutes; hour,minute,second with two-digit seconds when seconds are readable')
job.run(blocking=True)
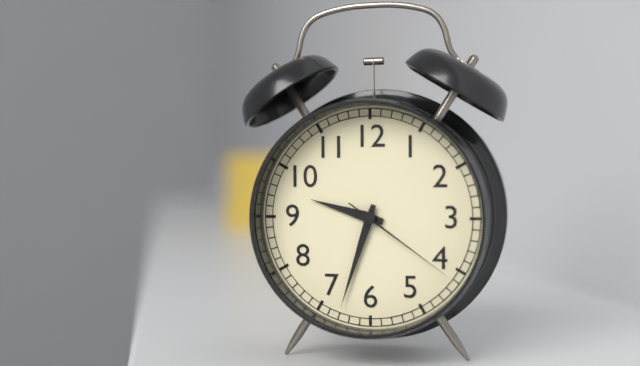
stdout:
9,33,21
